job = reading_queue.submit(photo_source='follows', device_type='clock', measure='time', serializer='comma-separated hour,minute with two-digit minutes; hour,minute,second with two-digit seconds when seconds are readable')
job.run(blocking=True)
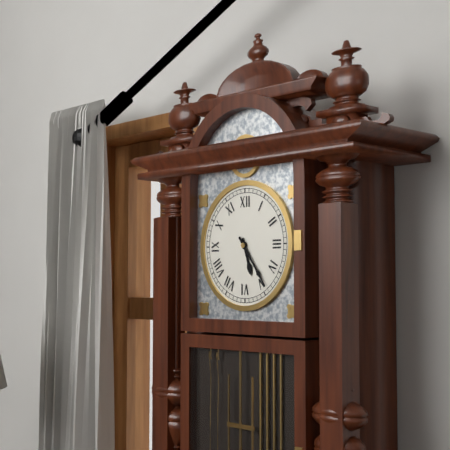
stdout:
5,24
